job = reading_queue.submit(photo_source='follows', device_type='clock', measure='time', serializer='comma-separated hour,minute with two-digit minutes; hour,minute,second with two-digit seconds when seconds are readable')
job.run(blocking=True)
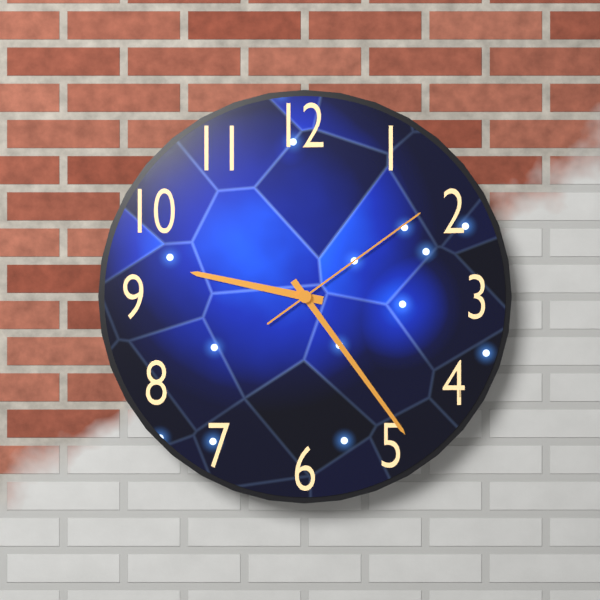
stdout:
9,24,09
